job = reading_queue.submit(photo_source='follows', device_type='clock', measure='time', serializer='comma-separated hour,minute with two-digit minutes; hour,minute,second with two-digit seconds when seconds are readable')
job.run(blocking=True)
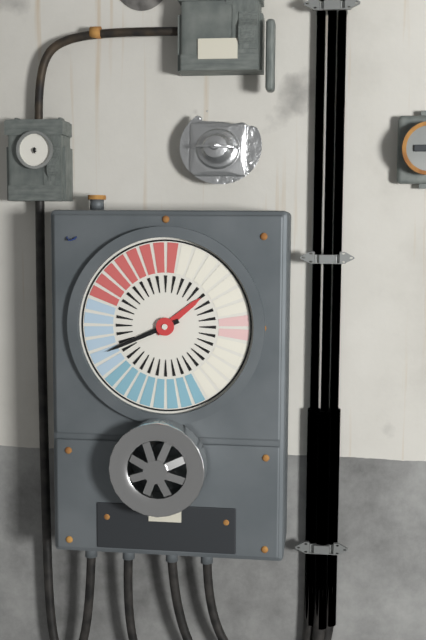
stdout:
1,41
